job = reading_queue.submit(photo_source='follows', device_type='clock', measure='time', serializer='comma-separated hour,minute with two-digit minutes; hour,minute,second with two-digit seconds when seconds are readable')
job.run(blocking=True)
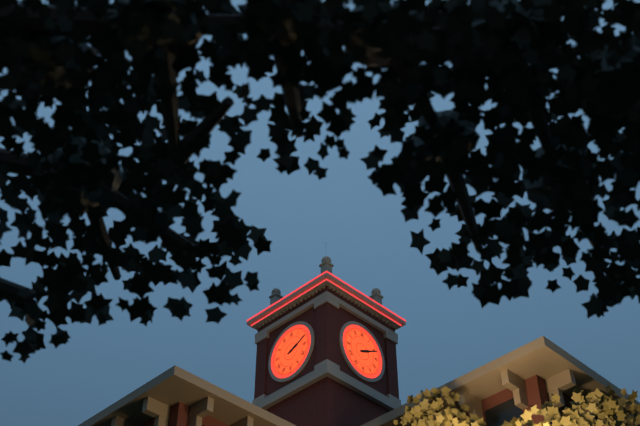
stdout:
2,11
